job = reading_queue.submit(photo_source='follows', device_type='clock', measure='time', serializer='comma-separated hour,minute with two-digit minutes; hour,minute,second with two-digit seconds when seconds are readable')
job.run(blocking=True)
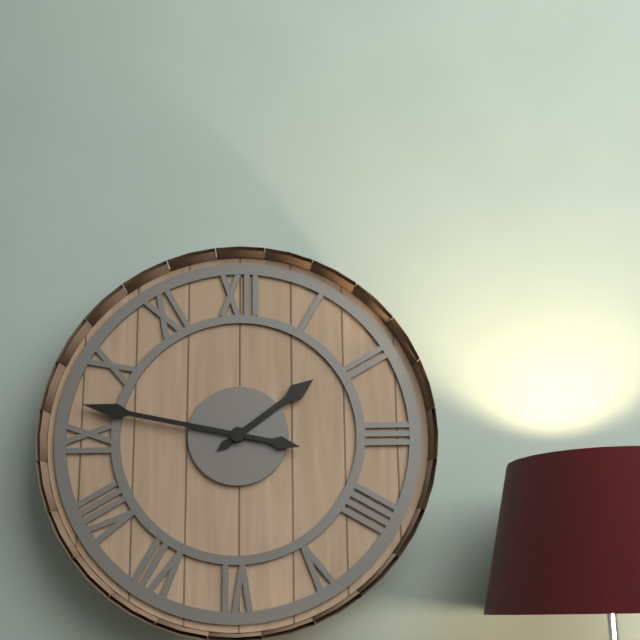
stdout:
1,47
